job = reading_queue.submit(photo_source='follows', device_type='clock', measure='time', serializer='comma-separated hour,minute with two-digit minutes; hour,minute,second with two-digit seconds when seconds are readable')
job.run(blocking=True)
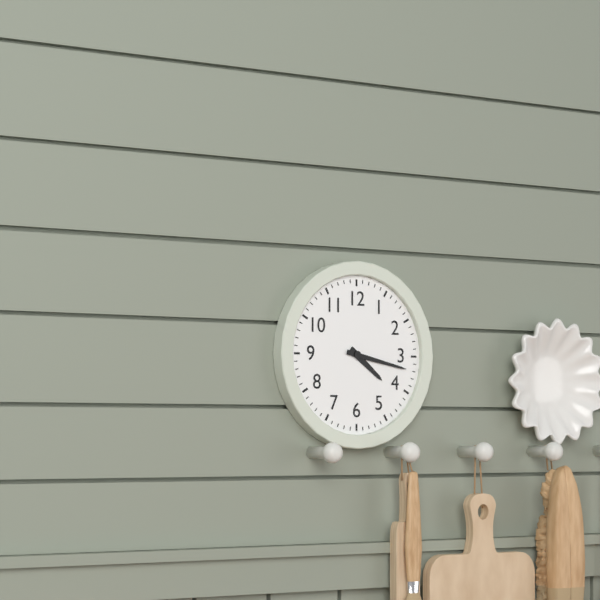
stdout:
4,17
